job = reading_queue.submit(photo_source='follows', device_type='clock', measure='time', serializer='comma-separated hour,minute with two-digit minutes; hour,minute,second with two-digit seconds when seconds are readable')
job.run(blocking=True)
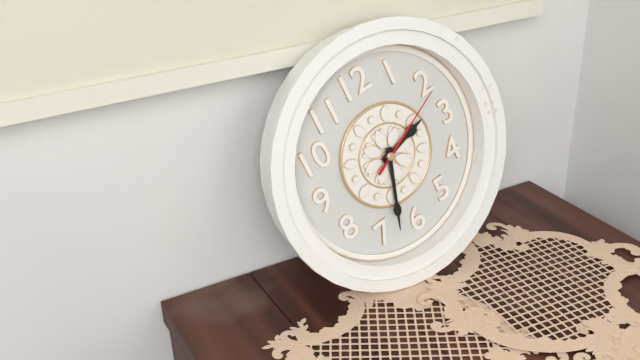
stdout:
2,33,11
